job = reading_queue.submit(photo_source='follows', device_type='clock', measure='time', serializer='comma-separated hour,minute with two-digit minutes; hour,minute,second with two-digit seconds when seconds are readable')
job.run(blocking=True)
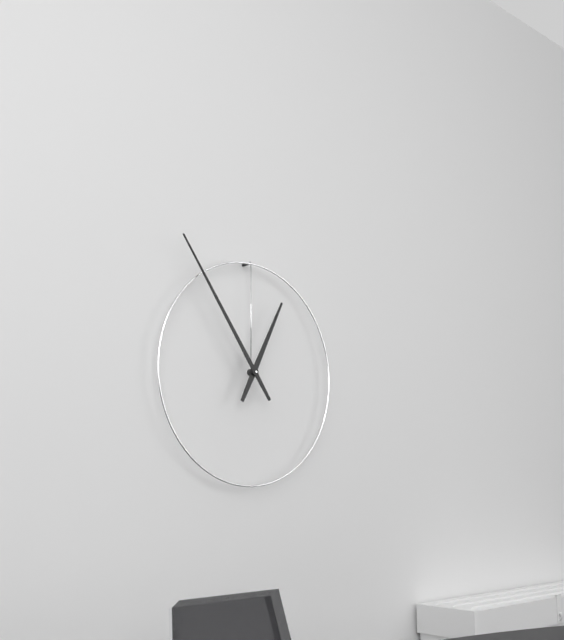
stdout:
12,54
